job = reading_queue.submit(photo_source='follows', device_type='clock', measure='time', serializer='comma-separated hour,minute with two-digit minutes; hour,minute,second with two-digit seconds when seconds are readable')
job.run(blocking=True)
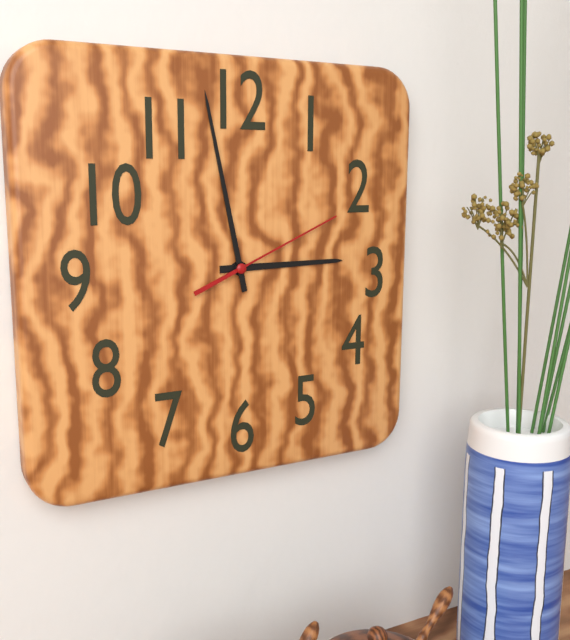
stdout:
2,58,11
